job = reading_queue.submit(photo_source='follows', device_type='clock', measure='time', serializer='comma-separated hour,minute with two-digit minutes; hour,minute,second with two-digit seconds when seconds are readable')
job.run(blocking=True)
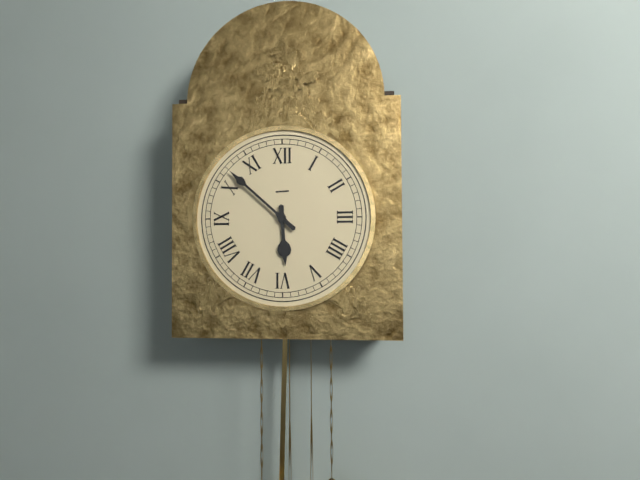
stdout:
5,52
